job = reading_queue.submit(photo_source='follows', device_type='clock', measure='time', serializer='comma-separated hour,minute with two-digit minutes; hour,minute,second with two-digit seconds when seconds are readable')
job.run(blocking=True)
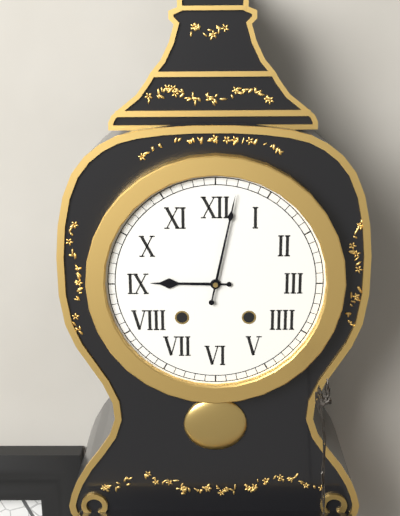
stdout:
9,02
